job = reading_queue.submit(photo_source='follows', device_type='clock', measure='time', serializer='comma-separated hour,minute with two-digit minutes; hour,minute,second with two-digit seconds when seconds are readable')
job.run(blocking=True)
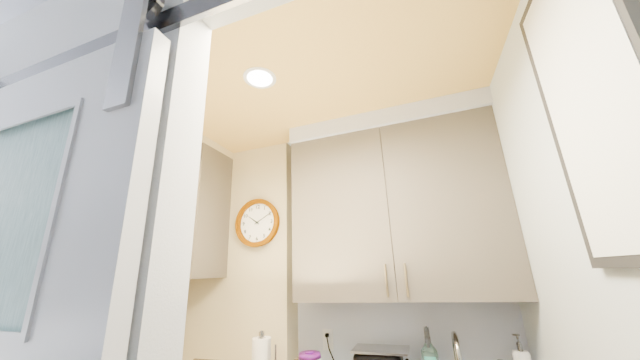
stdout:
10,10
